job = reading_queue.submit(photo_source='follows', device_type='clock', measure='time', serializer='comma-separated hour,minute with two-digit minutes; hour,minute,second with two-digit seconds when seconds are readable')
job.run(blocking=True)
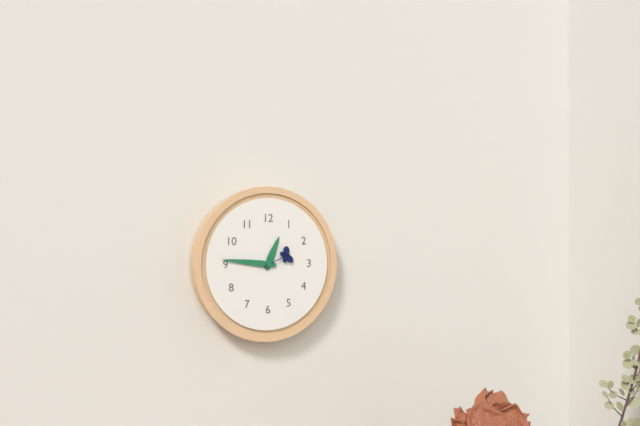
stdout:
12,46
